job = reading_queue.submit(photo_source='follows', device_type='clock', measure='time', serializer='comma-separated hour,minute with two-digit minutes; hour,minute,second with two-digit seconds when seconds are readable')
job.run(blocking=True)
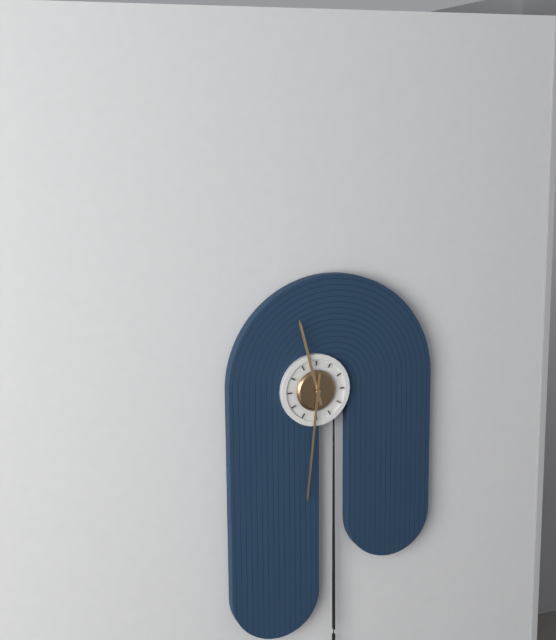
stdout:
11,31
